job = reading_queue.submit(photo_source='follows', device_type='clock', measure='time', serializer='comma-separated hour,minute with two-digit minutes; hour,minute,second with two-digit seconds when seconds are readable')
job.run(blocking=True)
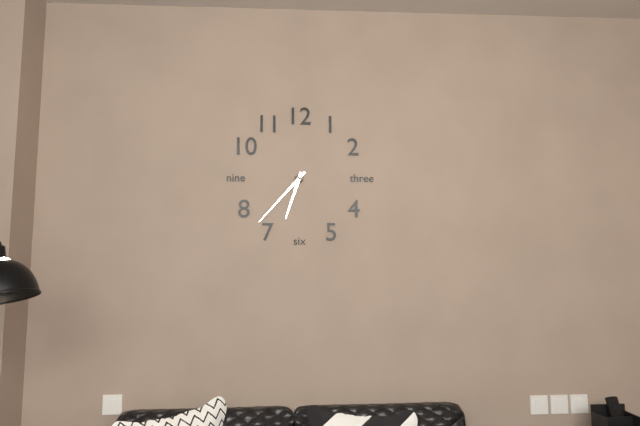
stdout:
6,37
